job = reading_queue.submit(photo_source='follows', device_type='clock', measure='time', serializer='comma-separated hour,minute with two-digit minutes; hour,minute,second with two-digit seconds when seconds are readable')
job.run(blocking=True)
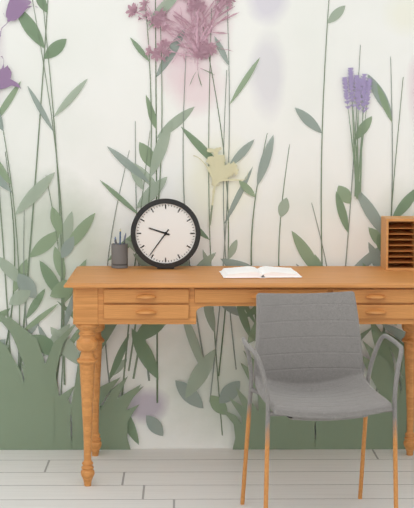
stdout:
9,36
